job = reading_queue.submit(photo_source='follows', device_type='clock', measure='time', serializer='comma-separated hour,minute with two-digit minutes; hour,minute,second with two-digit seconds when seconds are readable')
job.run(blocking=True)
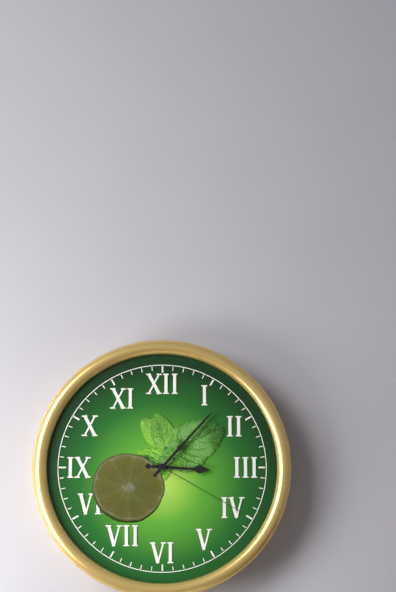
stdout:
3,07,20
